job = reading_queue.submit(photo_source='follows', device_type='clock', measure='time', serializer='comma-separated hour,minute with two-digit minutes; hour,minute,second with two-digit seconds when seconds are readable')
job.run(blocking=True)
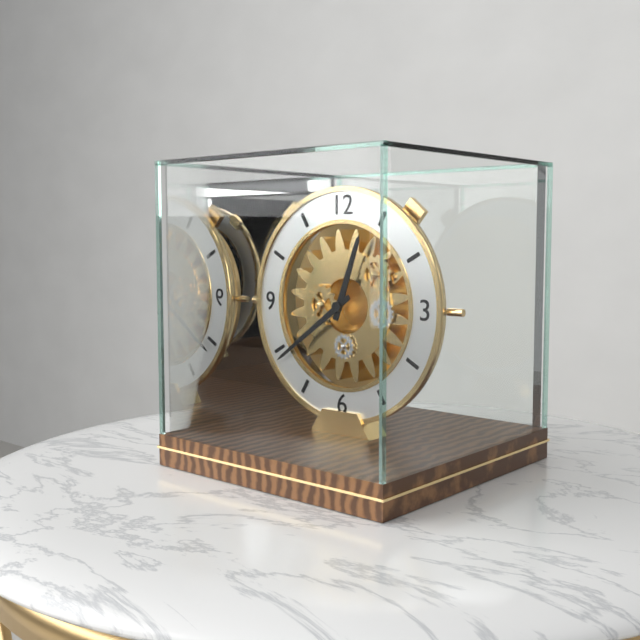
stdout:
12,39
